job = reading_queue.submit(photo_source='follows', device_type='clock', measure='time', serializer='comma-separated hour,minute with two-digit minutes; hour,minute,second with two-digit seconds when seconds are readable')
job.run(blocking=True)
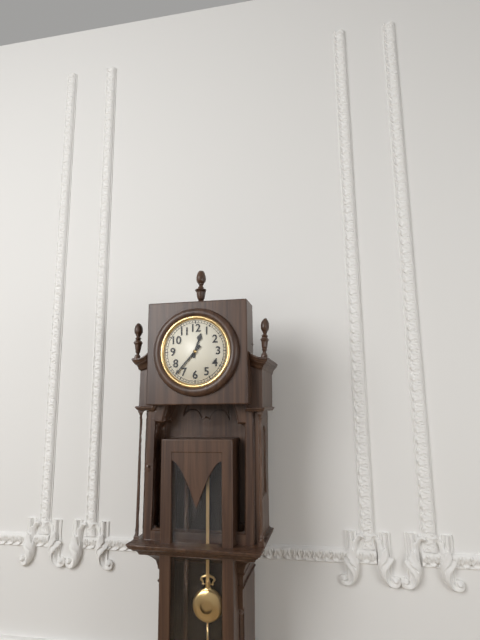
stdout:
12,37
